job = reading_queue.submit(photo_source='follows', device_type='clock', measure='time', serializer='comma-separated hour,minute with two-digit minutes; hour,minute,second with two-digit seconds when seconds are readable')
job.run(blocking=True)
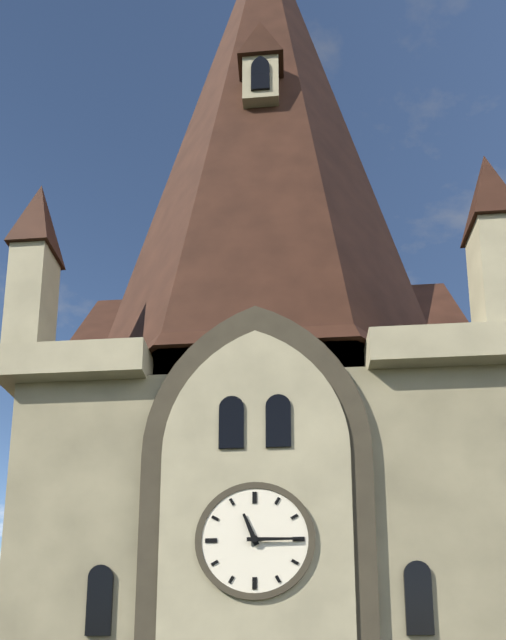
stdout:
11,15
